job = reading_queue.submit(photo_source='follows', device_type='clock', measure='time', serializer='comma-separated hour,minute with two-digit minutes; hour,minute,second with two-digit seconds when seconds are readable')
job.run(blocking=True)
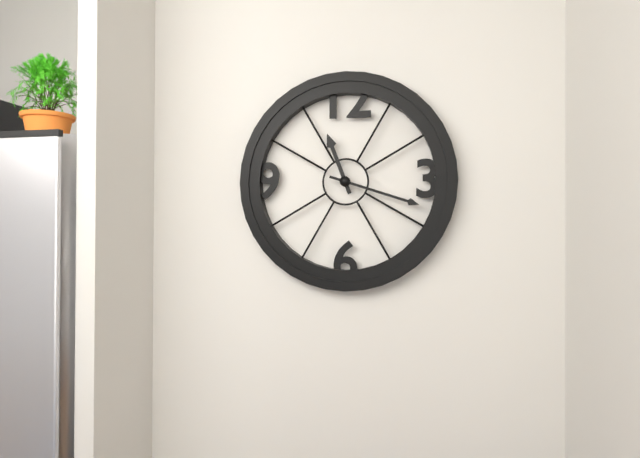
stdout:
11,18
